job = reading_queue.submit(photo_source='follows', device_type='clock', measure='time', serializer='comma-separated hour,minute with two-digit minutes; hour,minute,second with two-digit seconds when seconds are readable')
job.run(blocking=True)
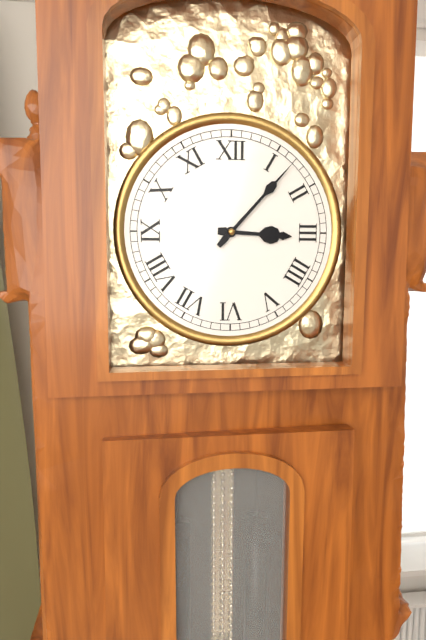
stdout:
3,07
